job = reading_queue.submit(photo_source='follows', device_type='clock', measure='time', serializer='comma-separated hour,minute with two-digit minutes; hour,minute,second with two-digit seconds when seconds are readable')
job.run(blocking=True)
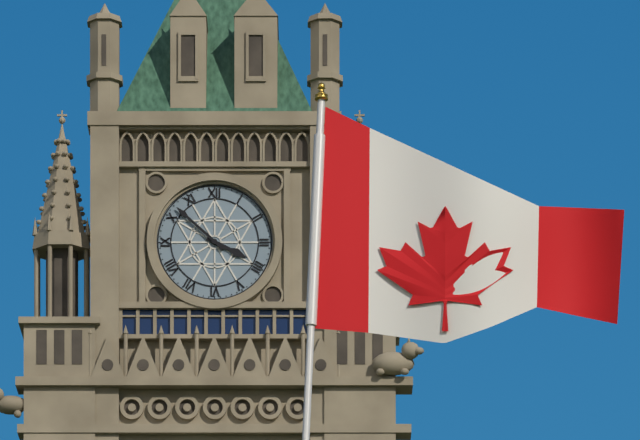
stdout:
3,52
